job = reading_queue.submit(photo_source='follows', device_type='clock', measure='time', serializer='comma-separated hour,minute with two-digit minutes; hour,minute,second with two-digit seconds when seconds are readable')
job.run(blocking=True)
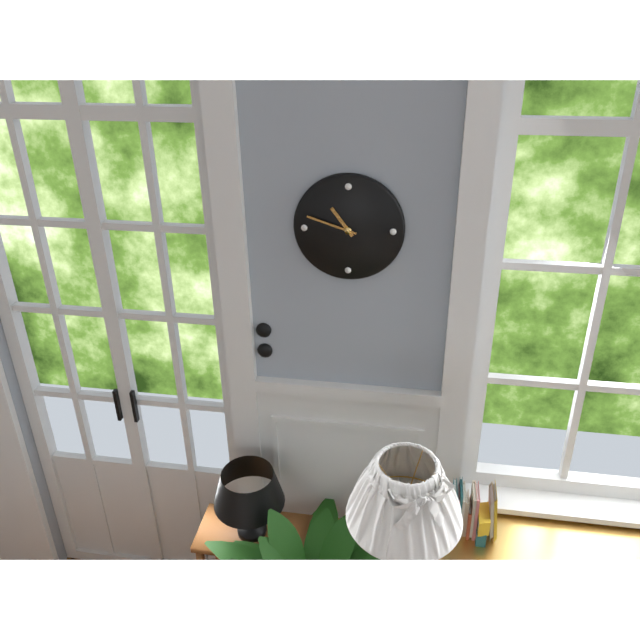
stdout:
10,48
